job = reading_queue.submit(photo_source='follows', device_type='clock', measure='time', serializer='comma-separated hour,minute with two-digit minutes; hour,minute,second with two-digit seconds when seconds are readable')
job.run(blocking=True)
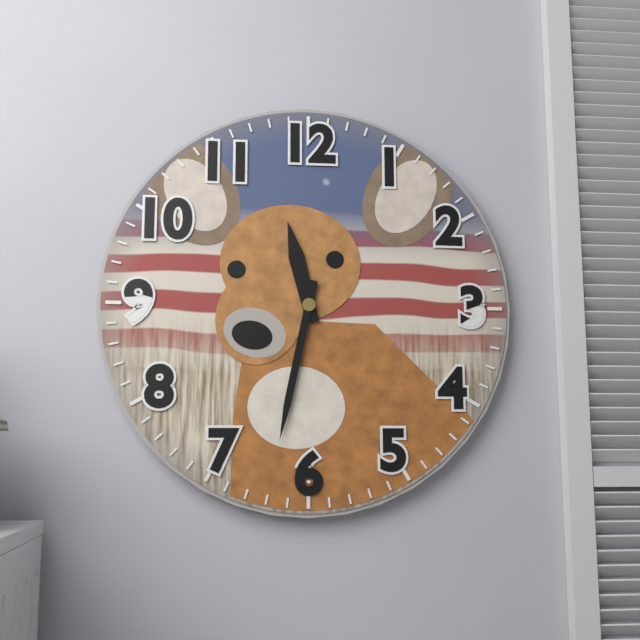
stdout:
11,32
